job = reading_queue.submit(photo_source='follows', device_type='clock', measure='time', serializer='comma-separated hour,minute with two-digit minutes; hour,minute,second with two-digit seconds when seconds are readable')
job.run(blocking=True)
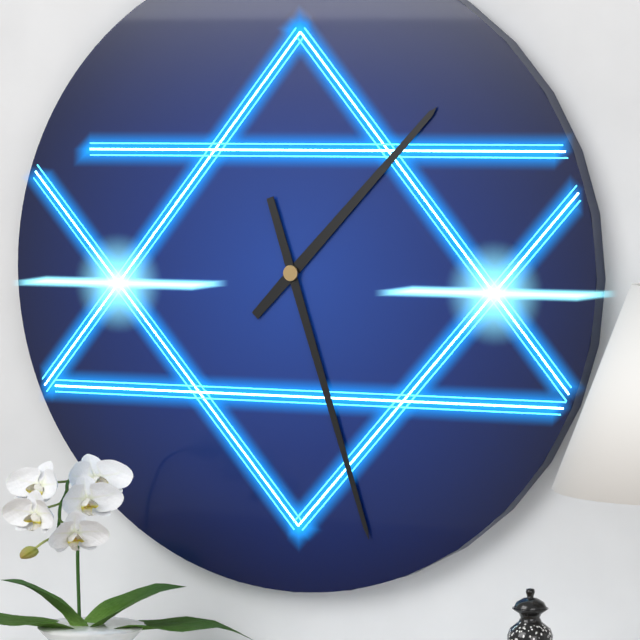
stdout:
1,27
